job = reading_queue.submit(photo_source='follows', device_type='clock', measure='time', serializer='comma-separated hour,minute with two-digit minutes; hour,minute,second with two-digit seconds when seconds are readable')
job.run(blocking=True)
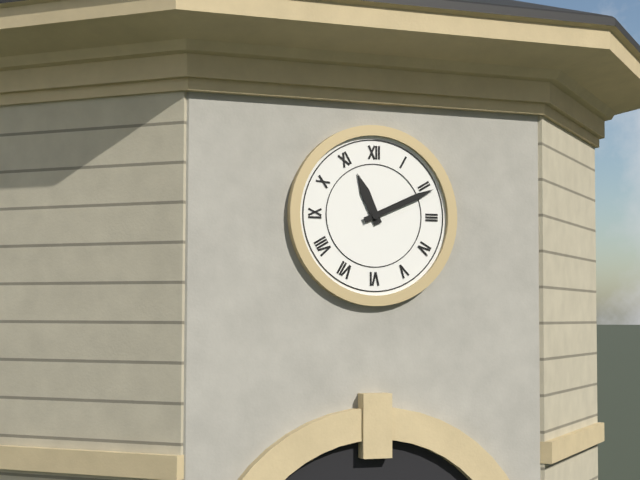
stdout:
11,11
